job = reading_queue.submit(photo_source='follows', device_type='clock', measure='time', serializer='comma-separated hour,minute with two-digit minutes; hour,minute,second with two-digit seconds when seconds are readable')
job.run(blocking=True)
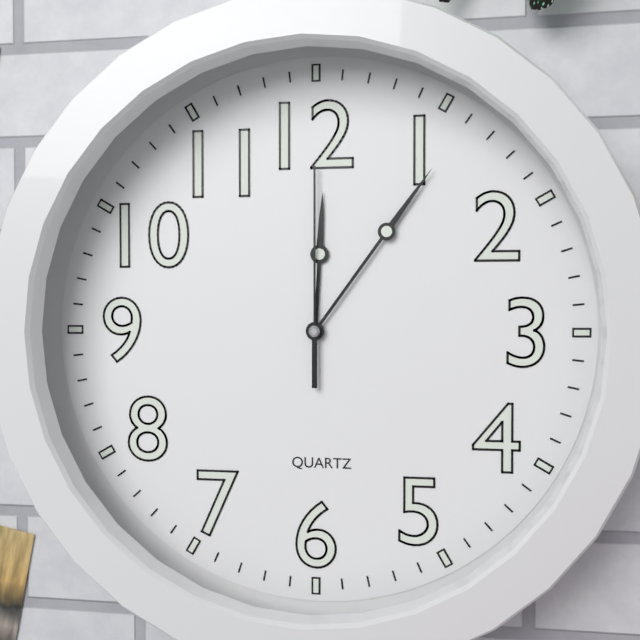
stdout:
12,06,00
